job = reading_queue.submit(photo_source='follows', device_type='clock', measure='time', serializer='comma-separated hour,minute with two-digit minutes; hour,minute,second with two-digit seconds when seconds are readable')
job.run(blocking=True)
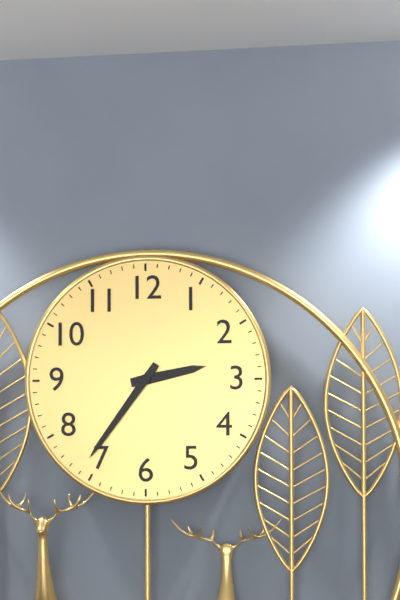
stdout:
2,36
